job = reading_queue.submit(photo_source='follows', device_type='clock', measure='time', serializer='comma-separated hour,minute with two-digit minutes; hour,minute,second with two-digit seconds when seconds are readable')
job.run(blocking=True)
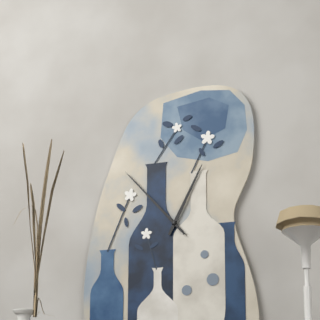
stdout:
12,53
